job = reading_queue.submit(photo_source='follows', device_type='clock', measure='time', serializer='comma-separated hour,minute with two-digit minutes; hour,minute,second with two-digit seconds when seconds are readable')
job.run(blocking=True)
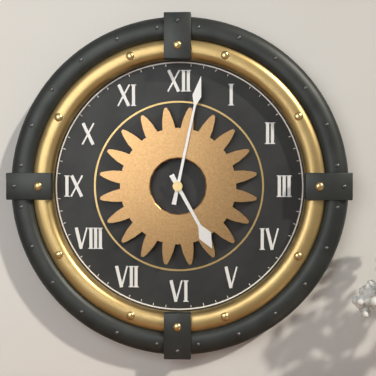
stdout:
5,02
